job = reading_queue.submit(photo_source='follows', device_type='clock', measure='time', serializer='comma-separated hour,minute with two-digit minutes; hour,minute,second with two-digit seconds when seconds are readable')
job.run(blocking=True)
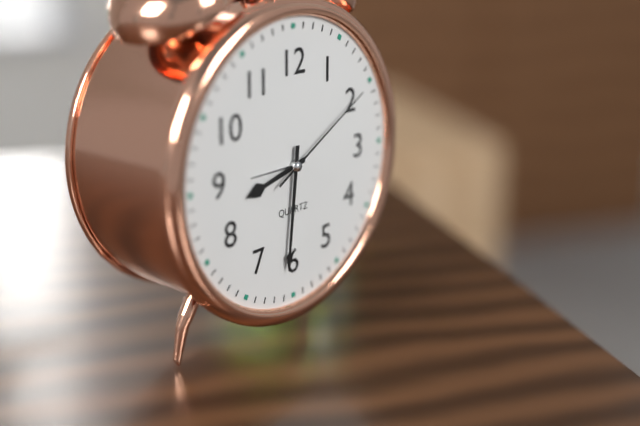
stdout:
8,31,10
